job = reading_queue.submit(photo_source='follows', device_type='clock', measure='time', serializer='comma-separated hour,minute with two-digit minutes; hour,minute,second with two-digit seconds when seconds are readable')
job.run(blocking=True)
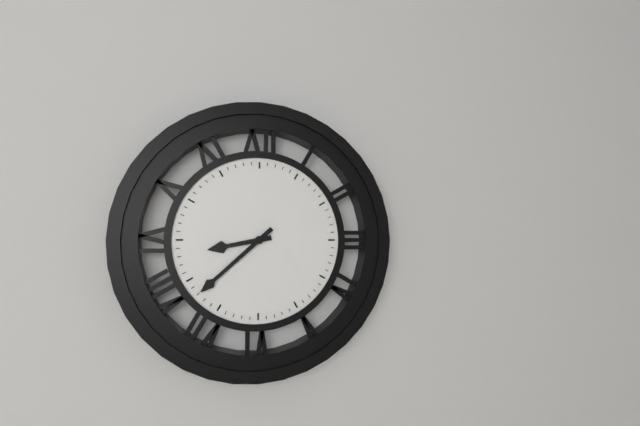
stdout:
8,38
